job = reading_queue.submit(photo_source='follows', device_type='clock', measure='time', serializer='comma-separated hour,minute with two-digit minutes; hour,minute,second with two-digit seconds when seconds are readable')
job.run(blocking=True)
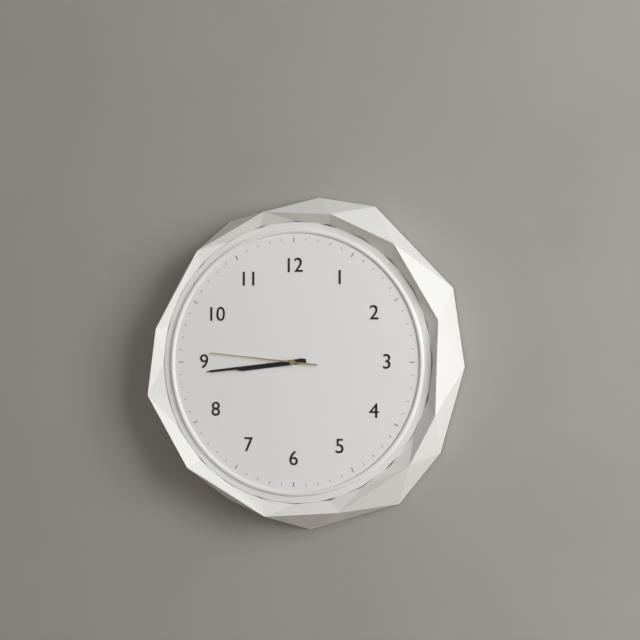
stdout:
8,44,46
